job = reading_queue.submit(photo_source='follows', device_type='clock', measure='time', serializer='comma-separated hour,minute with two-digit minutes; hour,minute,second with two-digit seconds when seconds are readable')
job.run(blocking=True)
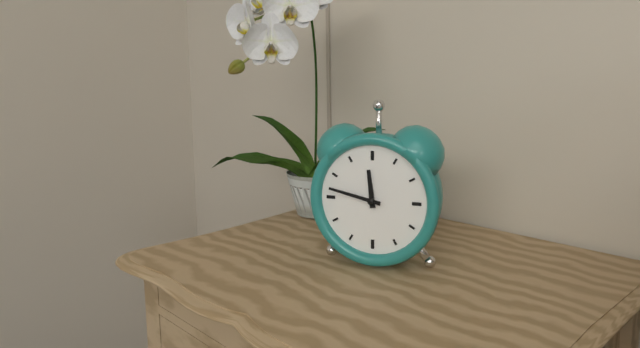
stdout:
11,47
